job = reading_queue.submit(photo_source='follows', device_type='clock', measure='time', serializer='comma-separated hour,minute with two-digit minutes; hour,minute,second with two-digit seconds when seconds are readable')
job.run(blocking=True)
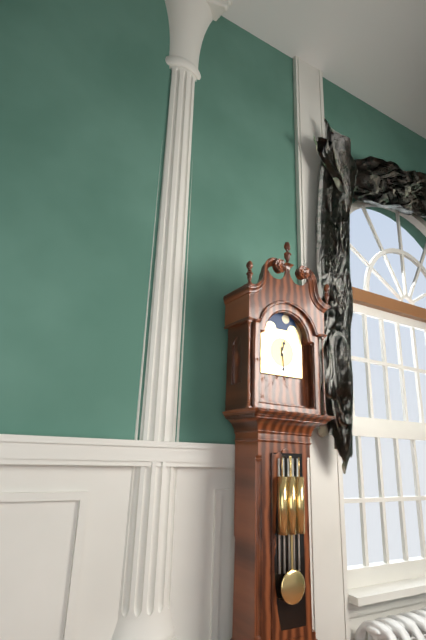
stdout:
12,29
